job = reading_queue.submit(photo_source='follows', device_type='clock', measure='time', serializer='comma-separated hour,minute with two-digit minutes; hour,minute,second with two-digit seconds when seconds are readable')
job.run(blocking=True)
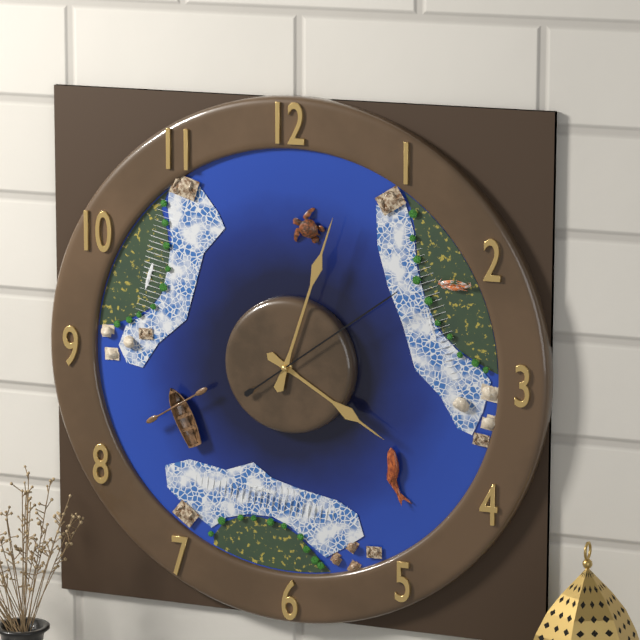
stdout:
4,03,09
